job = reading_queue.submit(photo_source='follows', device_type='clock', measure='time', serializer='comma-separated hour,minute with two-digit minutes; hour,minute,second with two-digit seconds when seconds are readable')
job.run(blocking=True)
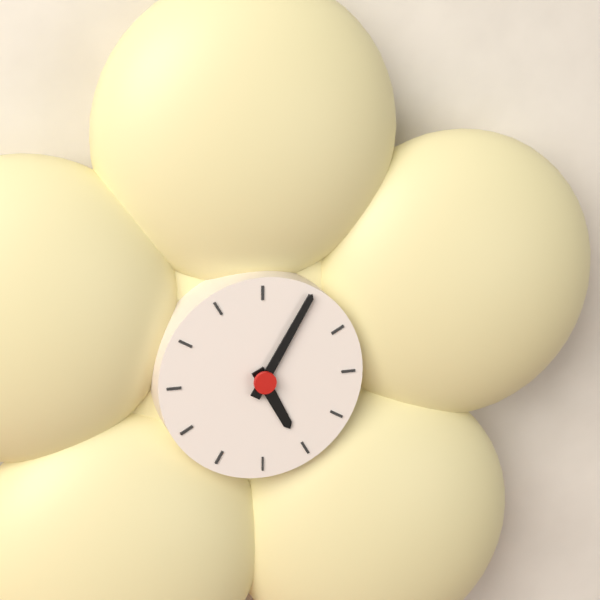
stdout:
5,05
